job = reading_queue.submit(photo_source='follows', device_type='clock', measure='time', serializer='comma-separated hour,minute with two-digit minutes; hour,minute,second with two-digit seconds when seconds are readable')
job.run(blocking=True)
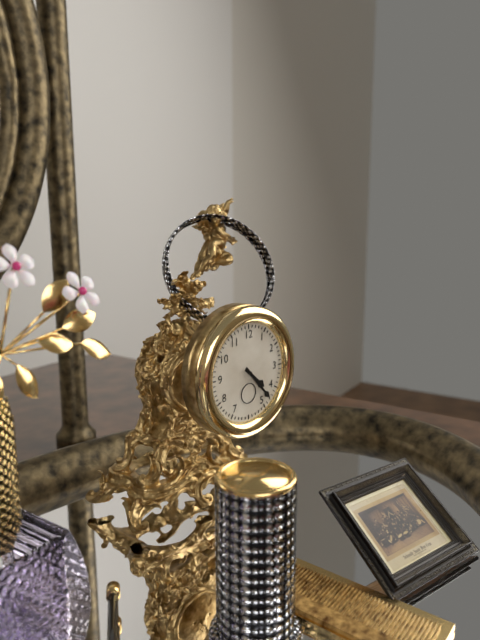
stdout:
4,23
